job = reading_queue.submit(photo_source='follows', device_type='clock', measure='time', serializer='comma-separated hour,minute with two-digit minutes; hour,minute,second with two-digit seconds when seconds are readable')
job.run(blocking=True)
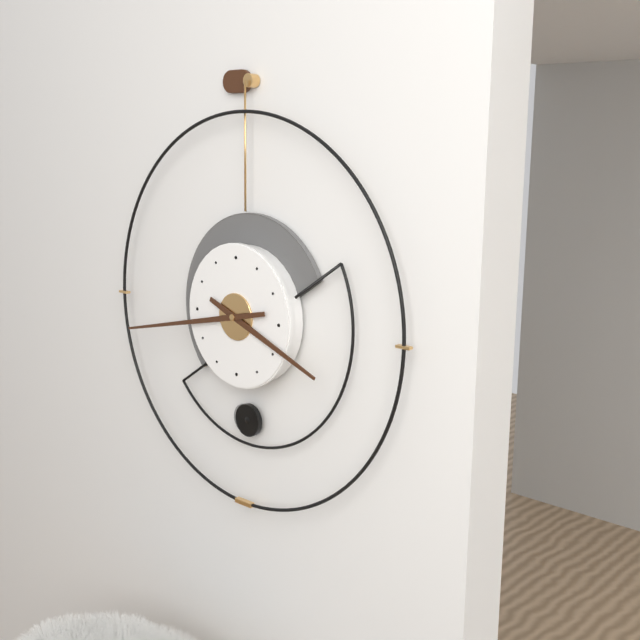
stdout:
3,43
